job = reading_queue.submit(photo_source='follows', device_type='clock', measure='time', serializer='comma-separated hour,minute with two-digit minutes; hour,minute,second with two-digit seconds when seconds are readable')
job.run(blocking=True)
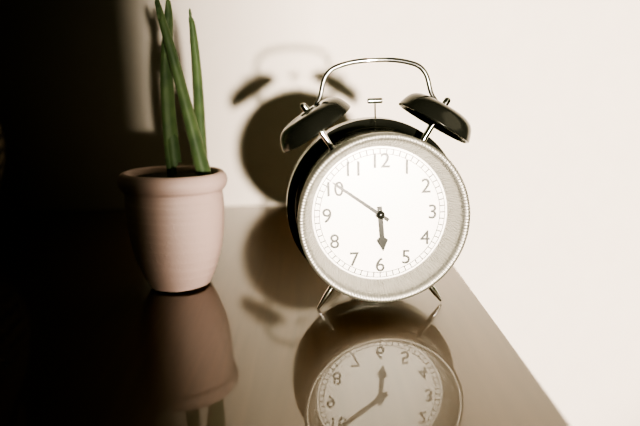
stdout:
5,51
